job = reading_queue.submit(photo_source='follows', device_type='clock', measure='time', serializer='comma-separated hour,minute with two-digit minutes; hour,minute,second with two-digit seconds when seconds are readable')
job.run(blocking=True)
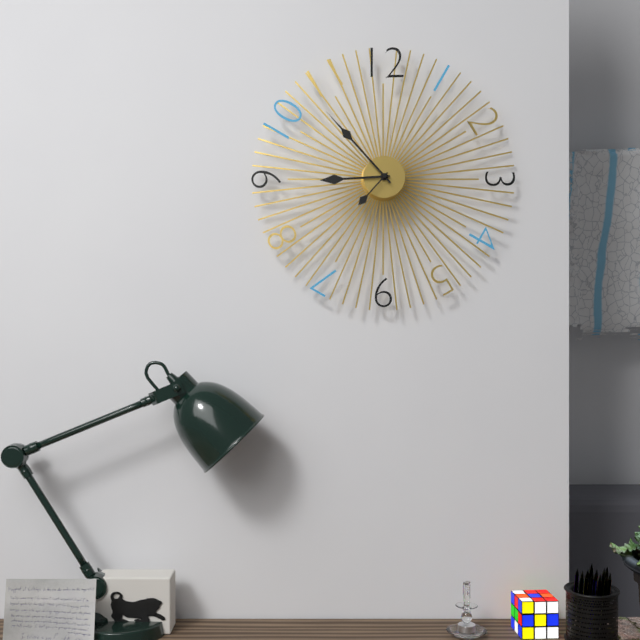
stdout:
8,53
